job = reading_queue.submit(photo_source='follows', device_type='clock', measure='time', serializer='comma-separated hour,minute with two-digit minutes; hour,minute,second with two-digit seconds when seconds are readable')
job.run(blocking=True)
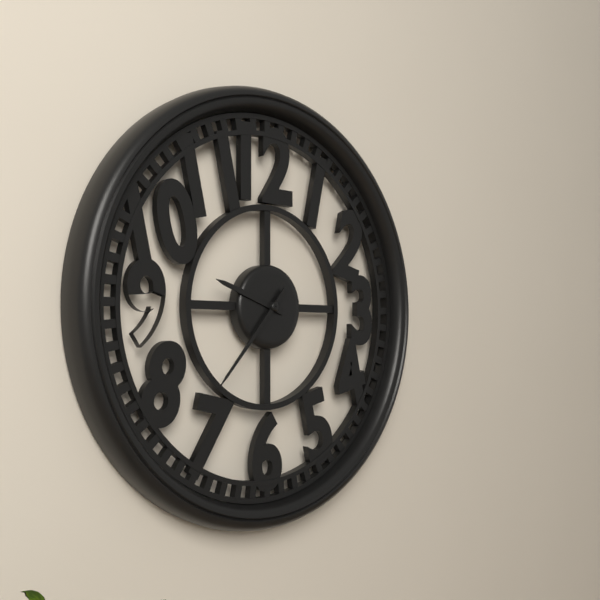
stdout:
9,37
